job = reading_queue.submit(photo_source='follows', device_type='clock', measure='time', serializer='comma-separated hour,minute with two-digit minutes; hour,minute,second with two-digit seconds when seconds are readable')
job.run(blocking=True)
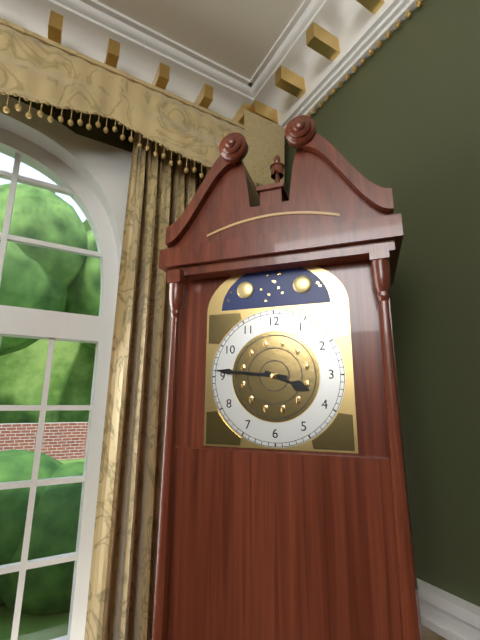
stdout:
3,46
